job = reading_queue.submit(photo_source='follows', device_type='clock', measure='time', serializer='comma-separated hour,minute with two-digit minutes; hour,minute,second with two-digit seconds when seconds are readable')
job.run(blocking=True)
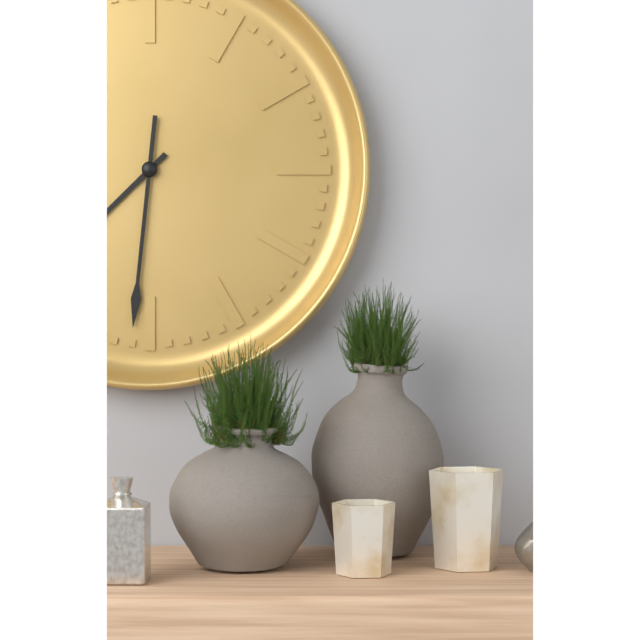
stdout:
7,31
